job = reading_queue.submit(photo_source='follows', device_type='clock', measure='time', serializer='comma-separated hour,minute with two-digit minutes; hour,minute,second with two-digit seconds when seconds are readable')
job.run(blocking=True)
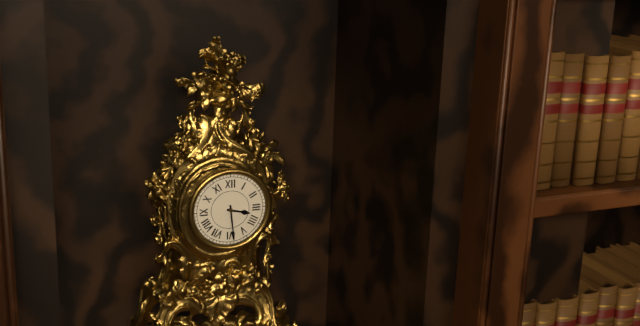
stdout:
3,29
